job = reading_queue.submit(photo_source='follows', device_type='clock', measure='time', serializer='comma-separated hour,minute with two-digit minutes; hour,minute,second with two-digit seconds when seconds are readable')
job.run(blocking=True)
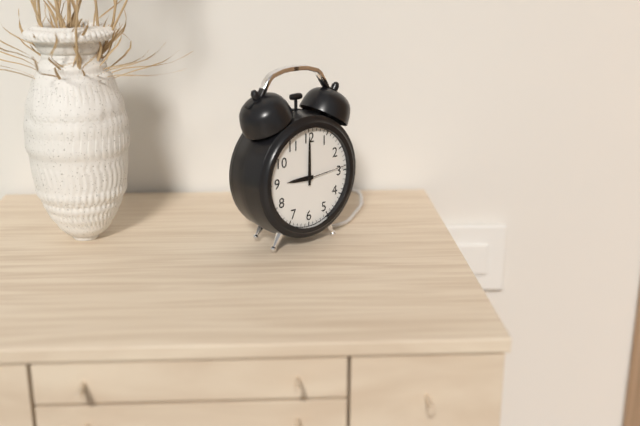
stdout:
9,00
